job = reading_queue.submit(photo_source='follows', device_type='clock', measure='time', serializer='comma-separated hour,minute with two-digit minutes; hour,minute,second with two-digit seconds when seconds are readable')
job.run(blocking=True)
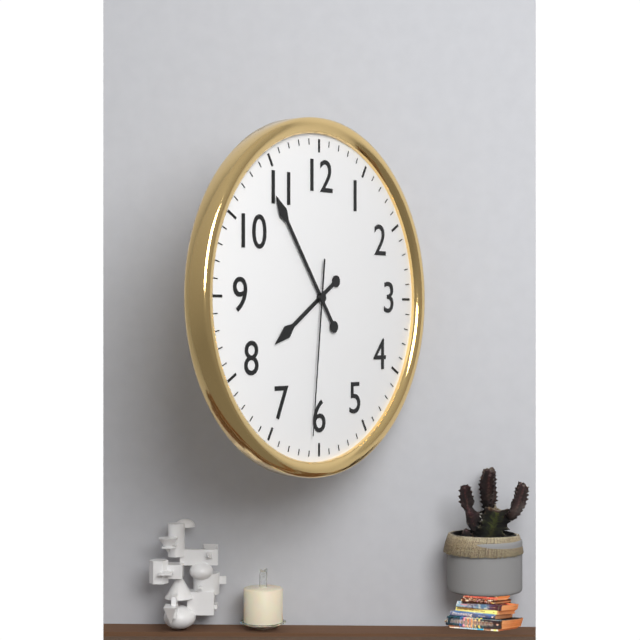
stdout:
7,54,31
